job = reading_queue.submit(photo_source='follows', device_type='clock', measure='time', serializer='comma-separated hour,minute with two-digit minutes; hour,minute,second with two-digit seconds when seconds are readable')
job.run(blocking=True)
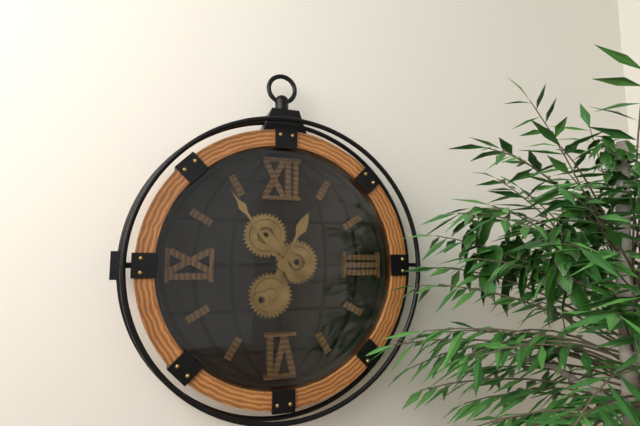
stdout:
12,54
